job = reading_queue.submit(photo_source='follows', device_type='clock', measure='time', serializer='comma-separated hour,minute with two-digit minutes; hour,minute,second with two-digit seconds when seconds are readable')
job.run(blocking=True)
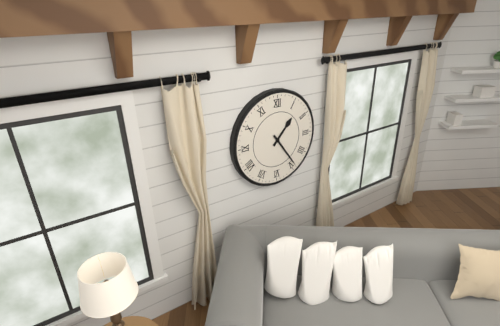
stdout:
1,24
